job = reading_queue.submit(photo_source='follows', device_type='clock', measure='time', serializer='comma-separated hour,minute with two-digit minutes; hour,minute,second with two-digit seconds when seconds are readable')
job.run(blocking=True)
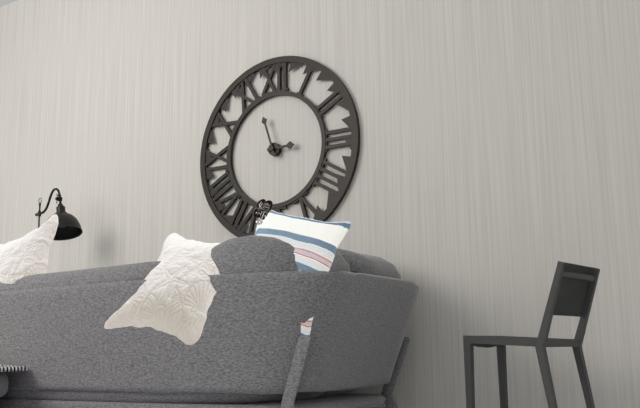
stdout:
2,57
